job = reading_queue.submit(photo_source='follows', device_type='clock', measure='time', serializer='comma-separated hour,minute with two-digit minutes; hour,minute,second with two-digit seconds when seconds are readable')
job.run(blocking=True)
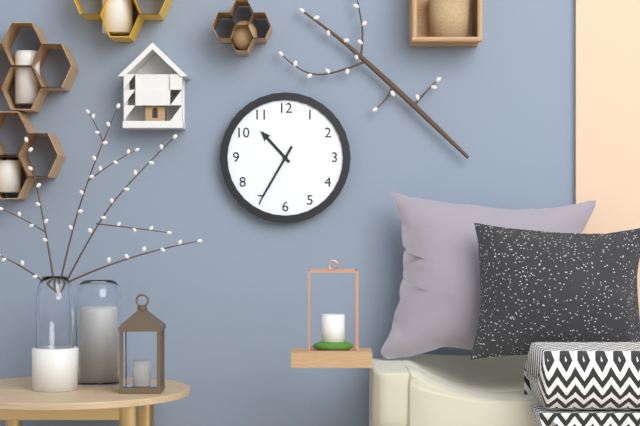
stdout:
10,35
